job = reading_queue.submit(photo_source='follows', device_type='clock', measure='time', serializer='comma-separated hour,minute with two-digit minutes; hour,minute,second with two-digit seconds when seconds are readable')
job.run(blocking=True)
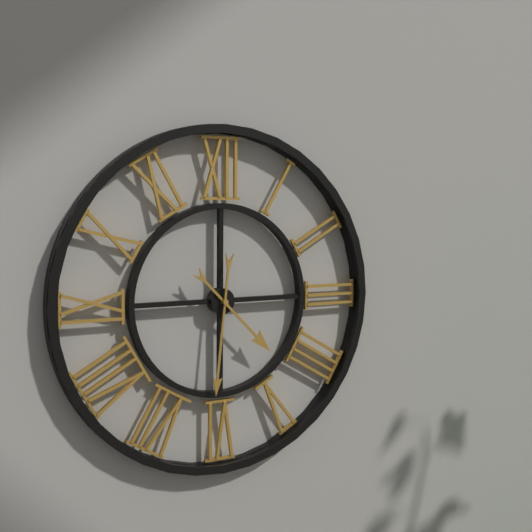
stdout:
4,31
